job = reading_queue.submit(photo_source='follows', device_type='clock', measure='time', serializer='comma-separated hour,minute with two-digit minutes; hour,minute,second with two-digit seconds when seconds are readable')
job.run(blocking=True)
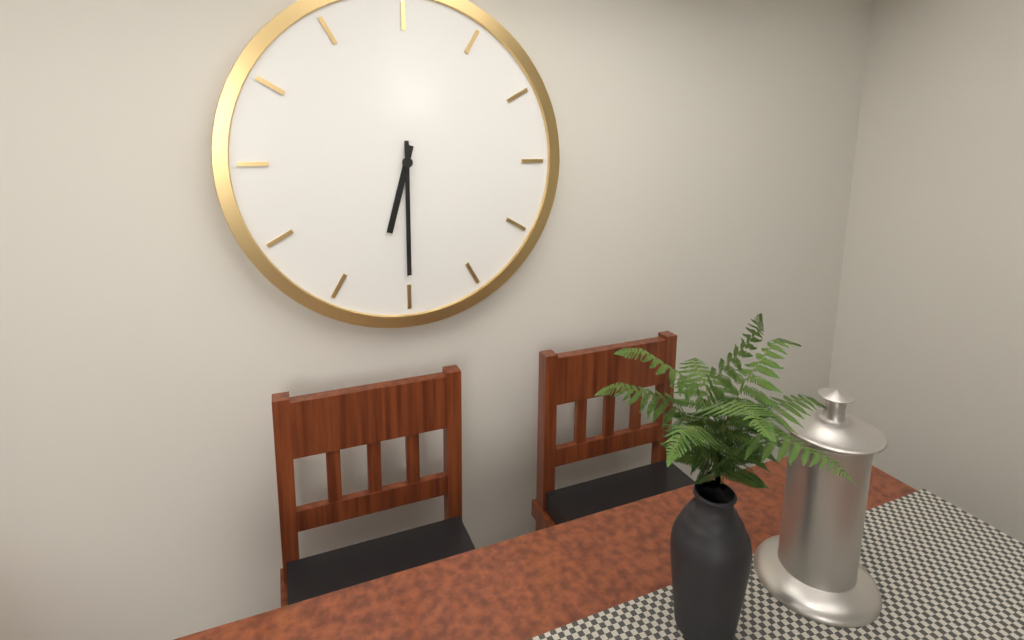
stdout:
6,30
